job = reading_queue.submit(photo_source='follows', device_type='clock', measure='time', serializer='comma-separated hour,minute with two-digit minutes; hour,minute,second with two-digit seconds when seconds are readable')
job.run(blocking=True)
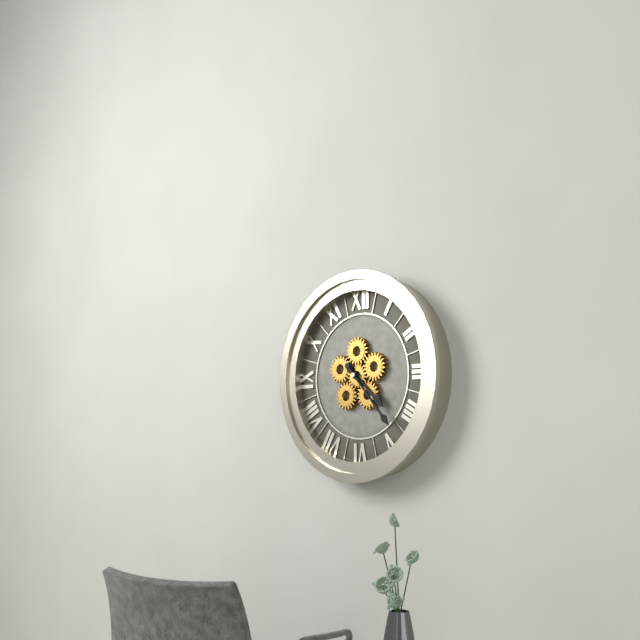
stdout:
4,23
